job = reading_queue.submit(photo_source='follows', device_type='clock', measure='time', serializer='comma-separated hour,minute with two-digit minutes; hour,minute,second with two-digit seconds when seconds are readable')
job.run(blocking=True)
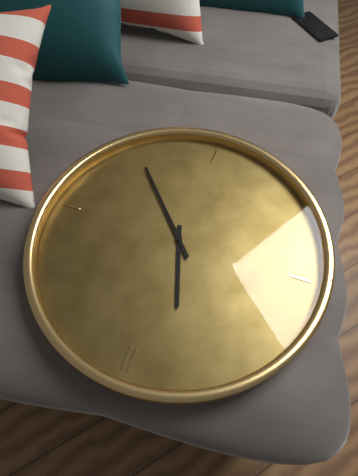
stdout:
11,23
